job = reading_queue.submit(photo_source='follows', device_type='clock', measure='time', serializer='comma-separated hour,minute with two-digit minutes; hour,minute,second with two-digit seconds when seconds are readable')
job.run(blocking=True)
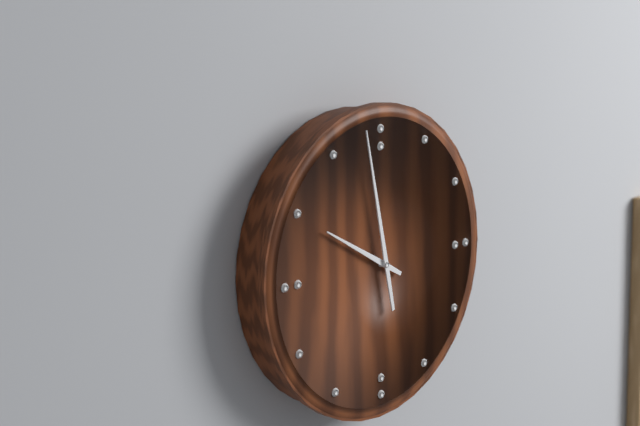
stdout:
9,58
